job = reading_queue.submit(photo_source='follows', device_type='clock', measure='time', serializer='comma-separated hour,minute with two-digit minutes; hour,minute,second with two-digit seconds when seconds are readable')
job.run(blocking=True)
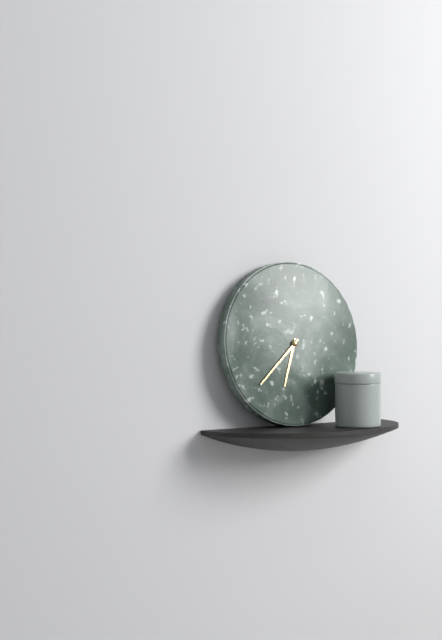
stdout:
6,38
